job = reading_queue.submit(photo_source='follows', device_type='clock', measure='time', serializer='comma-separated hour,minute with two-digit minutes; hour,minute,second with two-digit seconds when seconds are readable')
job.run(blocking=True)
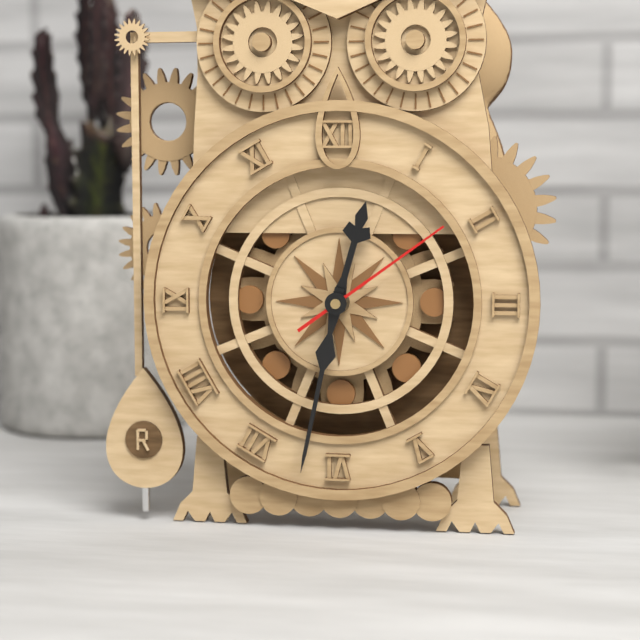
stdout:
12,32,09
